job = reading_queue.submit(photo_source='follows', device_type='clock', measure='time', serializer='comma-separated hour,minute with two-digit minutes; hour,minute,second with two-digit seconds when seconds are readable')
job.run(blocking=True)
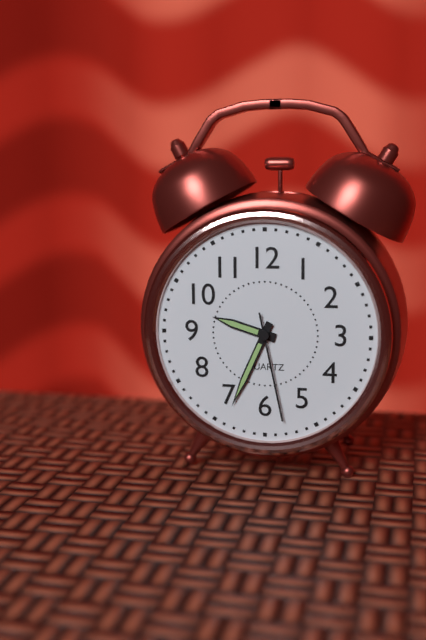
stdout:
9,34,28
